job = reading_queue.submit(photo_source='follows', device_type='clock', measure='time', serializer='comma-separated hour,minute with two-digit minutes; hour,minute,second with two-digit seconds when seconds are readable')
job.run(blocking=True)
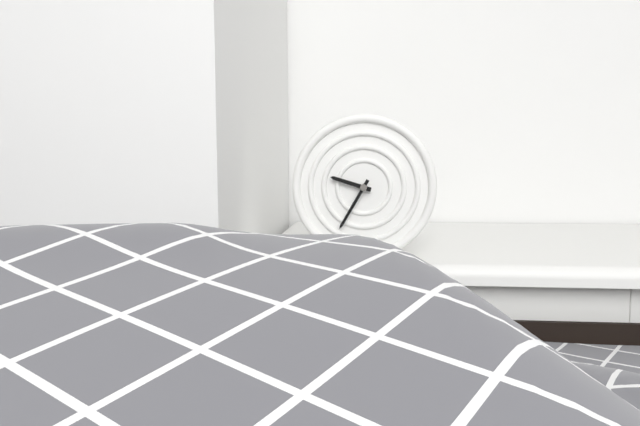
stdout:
9,35
